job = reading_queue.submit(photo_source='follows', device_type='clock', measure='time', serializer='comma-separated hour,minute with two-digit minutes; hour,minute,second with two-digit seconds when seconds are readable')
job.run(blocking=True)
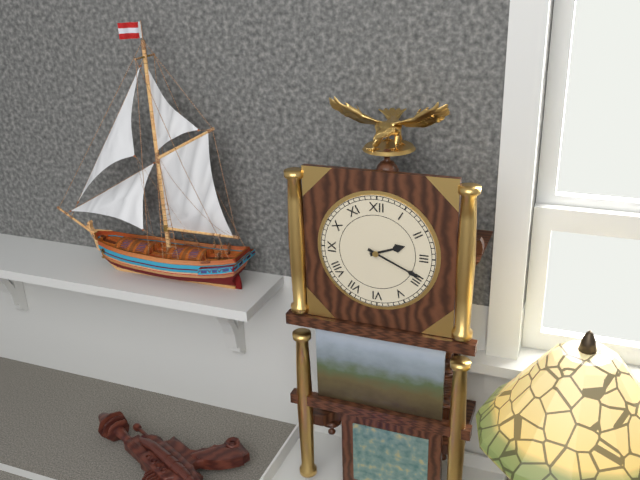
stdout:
2,19
